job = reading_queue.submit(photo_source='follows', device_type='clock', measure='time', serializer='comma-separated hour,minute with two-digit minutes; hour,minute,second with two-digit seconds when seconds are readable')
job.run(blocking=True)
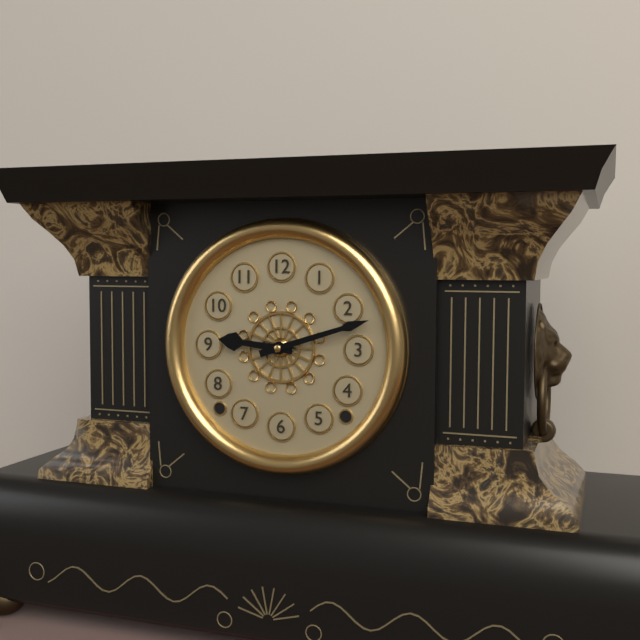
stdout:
9,12
